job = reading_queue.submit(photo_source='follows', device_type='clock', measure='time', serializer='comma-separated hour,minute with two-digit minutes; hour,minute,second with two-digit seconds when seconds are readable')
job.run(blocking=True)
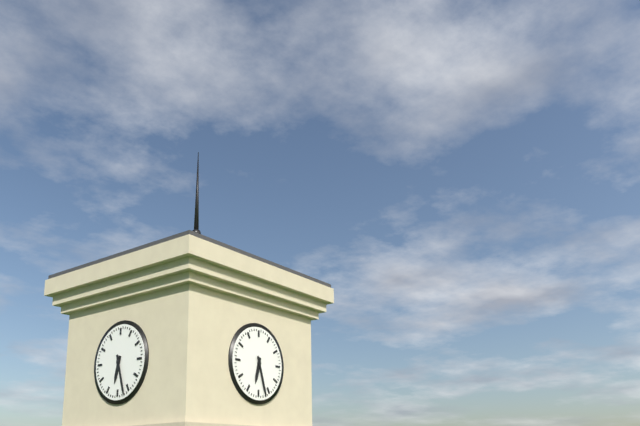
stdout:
6,27
